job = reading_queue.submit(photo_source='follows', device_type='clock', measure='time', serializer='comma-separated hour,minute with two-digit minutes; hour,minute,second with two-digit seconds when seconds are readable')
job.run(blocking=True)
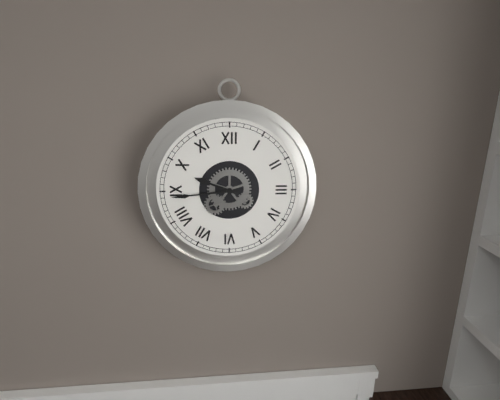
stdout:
9,44
